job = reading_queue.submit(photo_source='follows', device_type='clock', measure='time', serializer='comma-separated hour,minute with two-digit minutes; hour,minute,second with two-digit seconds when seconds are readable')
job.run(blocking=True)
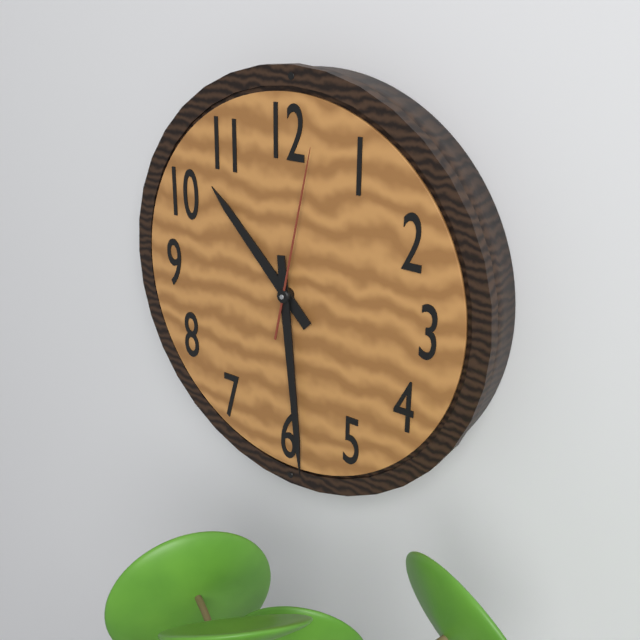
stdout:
10,29,02
